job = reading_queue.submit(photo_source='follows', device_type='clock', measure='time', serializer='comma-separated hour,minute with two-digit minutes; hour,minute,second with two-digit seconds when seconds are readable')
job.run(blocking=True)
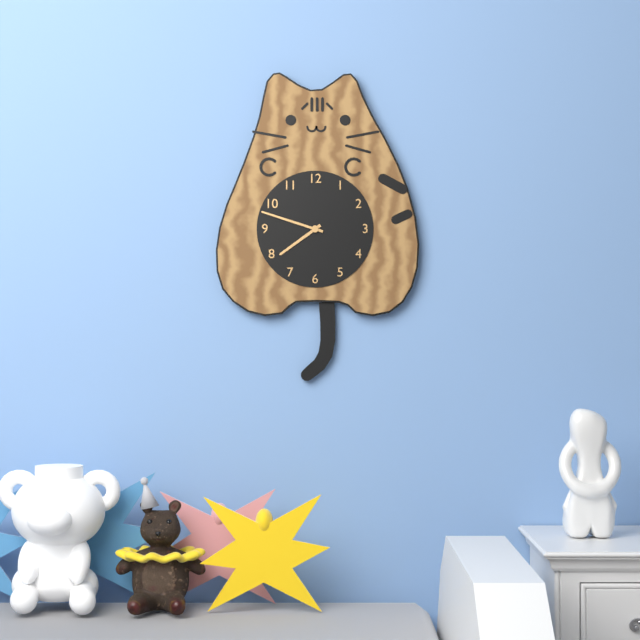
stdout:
7,48
